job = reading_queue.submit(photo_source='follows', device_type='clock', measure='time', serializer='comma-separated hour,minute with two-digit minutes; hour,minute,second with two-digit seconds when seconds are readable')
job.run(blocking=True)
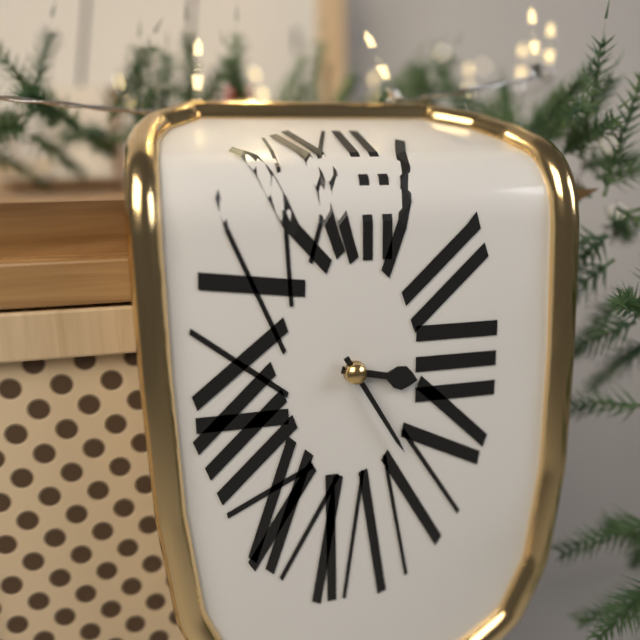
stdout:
3,25
